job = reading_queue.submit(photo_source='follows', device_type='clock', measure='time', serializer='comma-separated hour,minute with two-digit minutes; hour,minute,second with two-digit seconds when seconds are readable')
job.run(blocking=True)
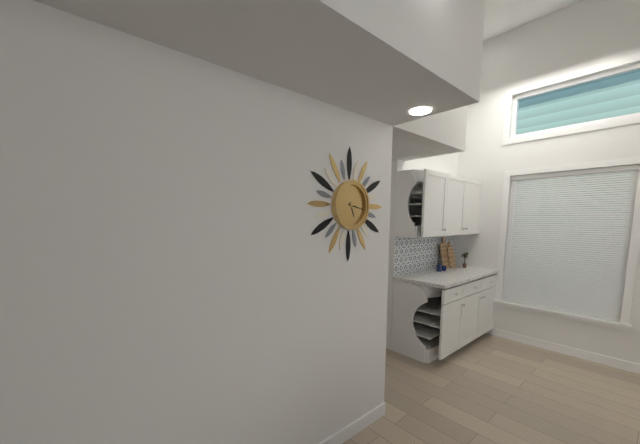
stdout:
5,17
